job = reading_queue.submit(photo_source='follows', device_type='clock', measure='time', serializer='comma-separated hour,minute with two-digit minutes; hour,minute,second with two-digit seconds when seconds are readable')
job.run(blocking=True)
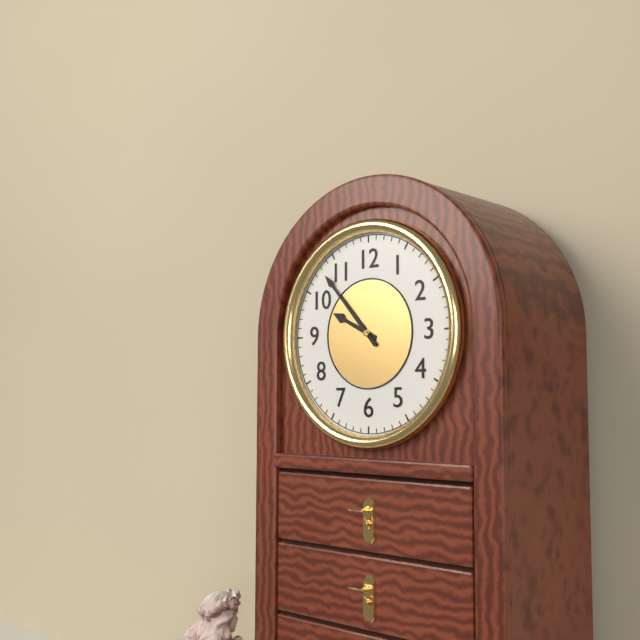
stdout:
9,53
